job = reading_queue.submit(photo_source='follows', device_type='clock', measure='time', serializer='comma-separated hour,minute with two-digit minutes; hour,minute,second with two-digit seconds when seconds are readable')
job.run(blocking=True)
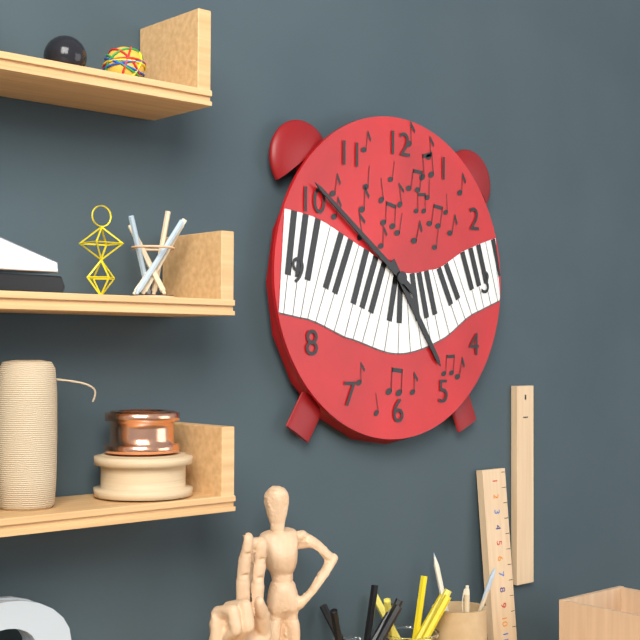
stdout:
4,51
